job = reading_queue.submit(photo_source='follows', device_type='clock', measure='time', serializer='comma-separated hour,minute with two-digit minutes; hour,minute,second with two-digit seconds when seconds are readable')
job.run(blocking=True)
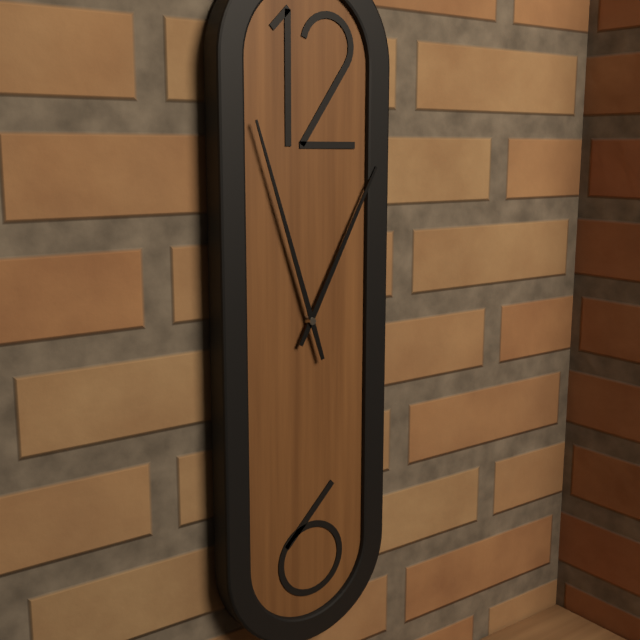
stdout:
12,57
